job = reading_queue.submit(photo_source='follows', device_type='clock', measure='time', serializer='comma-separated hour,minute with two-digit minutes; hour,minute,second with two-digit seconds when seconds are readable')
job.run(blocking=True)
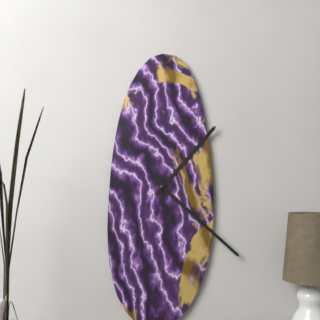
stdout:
1,22
